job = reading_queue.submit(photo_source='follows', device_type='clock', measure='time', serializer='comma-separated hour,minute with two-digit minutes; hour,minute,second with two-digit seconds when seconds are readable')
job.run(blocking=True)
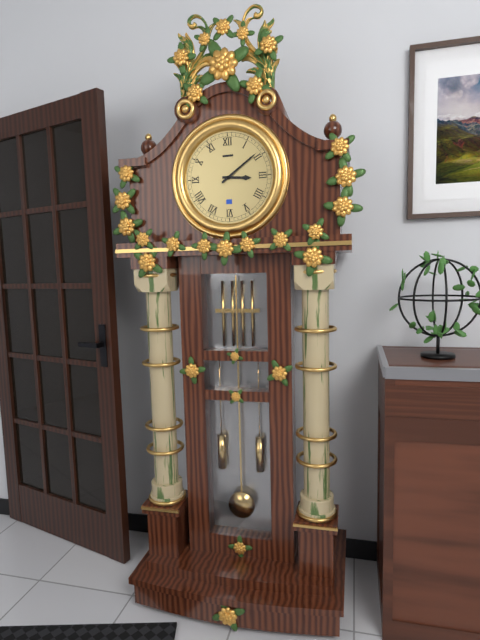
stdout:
3,09
